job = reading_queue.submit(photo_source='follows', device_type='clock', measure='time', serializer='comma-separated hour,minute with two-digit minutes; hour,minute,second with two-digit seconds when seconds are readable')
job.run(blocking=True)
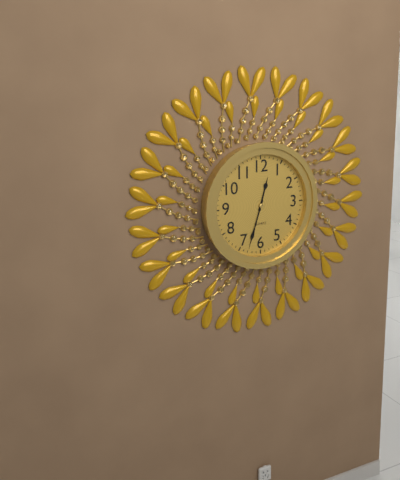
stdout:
12,33
